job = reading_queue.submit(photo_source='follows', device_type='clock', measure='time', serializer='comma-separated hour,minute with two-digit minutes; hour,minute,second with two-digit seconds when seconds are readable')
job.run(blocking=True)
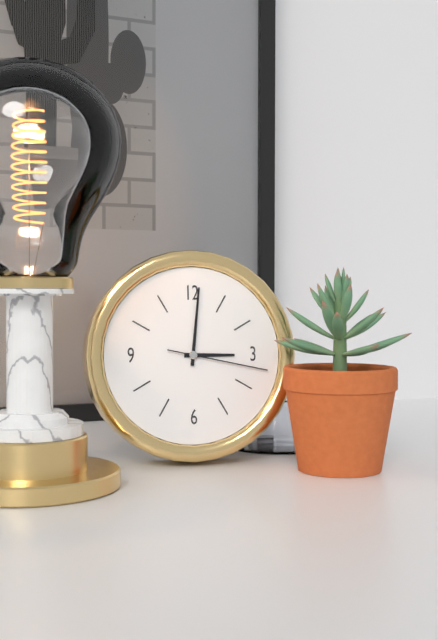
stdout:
3,01,17
